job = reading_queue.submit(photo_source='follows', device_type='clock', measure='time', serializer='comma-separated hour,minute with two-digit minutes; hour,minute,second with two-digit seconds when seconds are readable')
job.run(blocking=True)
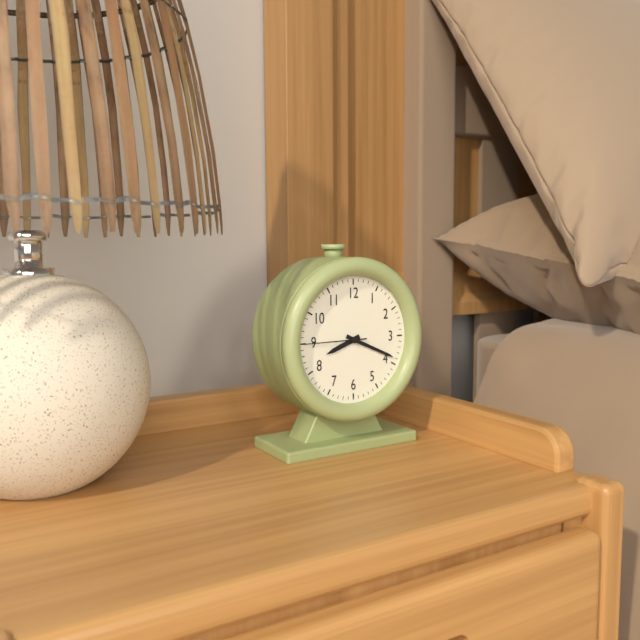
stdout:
8,19,45
